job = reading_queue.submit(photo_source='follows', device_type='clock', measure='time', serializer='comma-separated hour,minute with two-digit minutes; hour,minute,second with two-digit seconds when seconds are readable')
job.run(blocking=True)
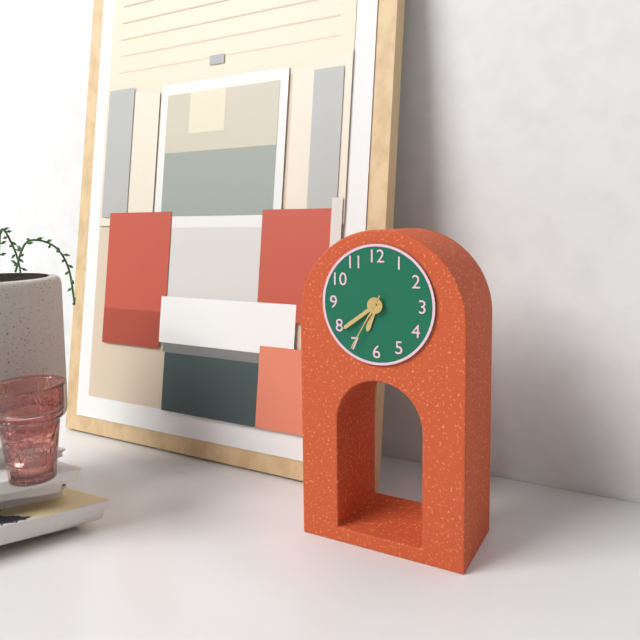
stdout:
6,39,35
